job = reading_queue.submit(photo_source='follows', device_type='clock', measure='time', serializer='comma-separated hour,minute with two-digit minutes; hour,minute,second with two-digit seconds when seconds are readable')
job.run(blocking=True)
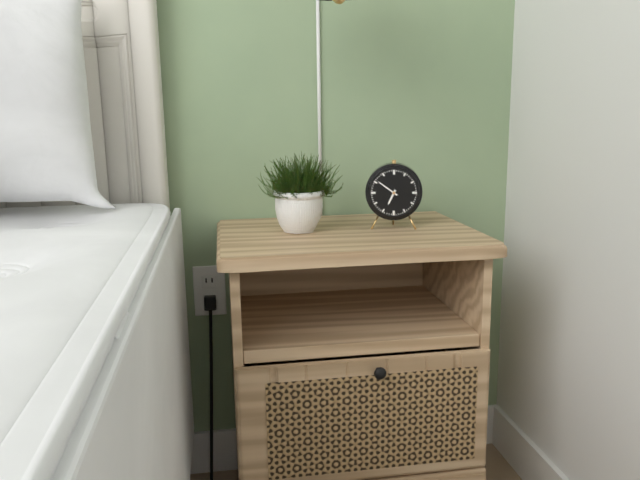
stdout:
6,51
